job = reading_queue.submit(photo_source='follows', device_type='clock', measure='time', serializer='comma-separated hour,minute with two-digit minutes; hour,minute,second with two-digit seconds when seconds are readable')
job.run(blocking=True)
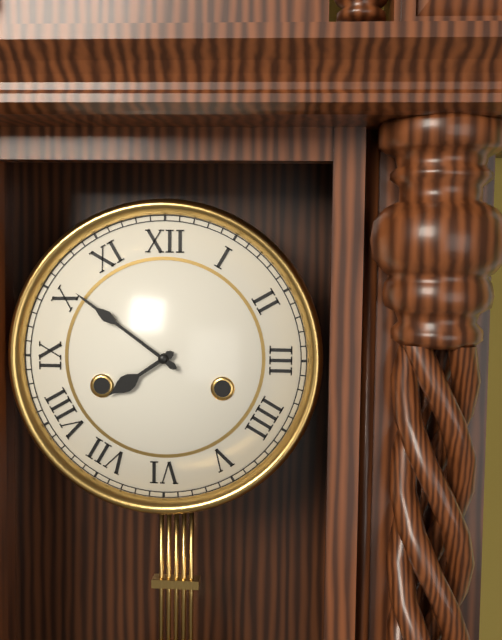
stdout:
7,51
